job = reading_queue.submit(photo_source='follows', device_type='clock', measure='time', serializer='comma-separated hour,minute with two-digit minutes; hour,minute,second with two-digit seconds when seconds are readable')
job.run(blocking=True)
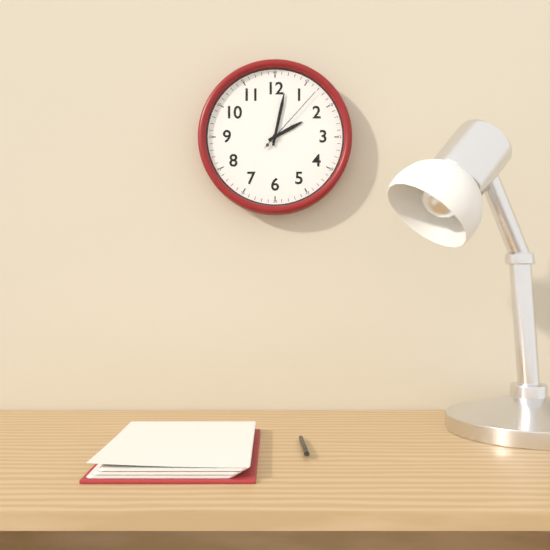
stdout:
2,02,07
